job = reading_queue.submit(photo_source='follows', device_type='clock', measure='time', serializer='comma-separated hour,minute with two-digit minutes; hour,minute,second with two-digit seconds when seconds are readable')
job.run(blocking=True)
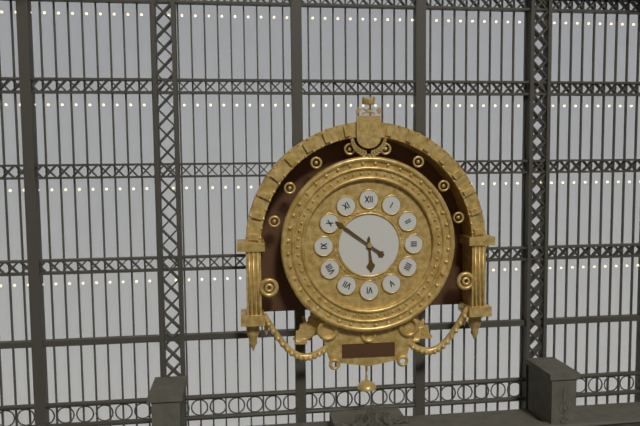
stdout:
5,51
